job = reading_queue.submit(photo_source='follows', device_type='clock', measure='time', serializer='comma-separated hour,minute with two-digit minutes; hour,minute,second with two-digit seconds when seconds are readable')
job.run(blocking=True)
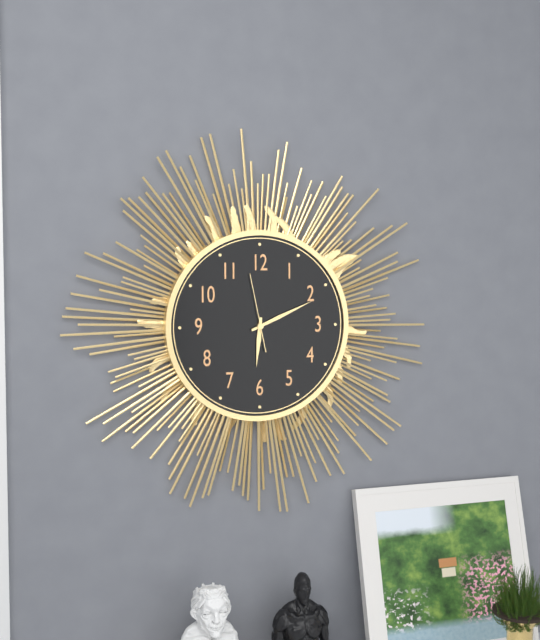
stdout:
6,11,58
